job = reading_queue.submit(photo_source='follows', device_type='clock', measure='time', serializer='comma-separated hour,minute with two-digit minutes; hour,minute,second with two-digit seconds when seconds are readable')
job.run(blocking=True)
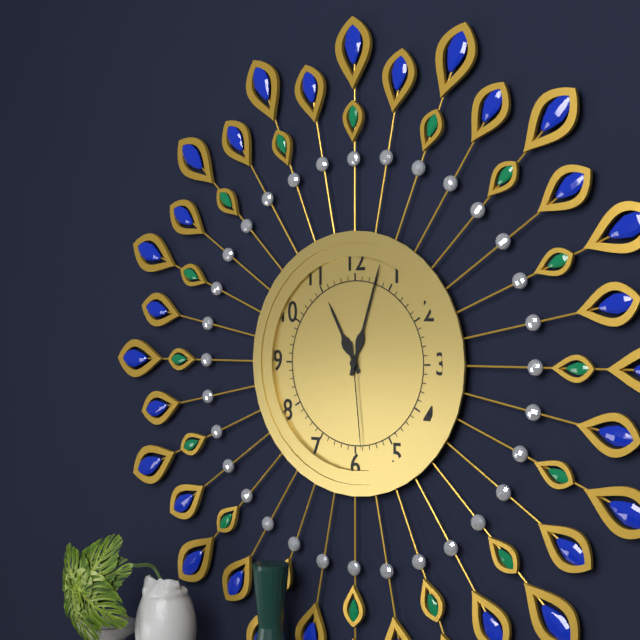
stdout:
11,03,29
